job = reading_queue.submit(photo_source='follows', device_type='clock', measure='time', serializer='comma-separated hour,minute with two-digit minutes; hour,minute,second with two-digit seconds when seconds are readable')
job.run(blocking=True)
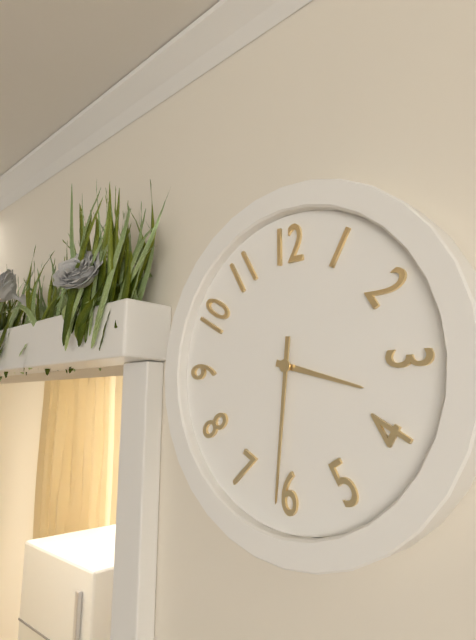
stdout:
3,31
